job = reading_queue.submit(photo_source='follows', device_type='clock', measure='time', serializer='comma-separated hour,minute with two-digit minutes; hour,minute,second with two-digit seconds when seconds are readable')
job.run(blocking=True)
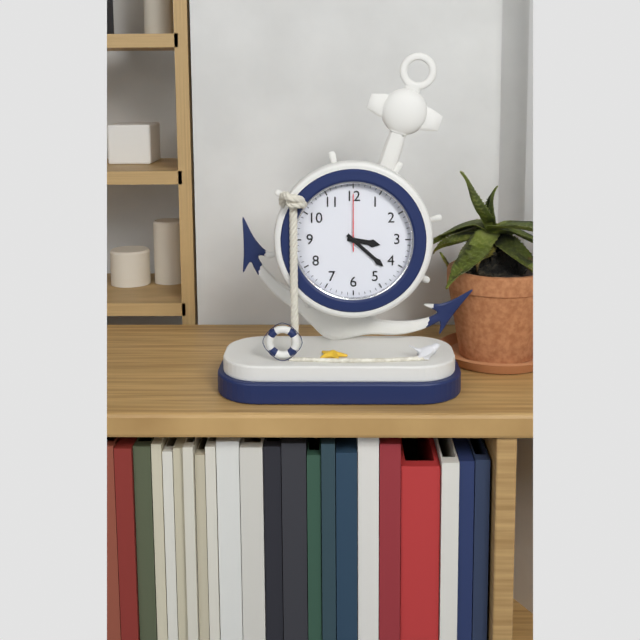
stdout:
3,22,00
